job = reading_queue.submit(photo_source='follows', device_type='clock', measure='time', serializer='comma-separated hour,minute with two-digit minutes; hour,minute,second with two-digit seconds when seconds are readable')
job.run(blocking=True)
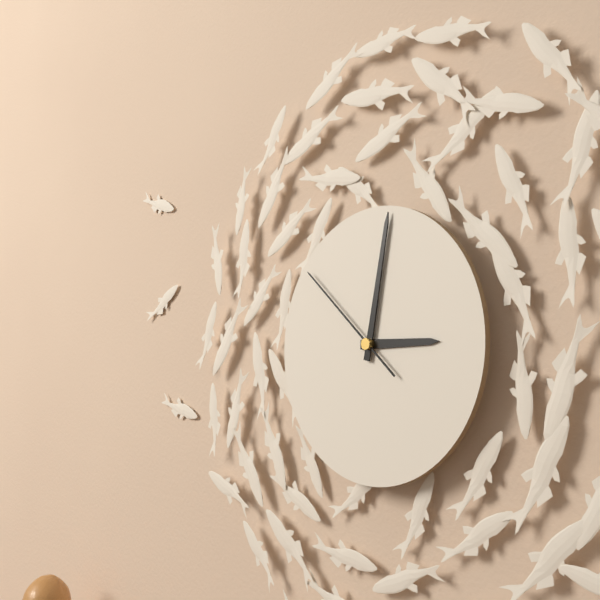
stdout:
3,02,52
